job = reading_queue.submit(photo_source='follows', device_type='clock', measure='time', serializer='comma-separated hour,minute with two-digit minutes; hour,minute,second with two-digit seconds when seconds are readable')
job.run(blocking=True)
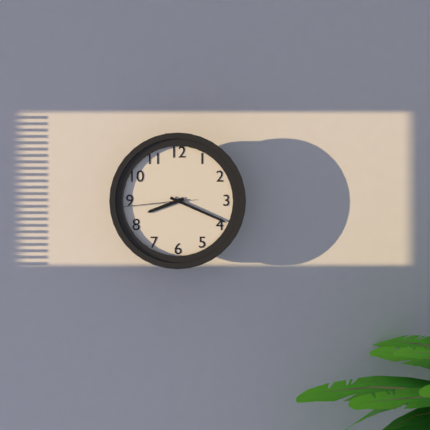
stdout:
8,19,44
